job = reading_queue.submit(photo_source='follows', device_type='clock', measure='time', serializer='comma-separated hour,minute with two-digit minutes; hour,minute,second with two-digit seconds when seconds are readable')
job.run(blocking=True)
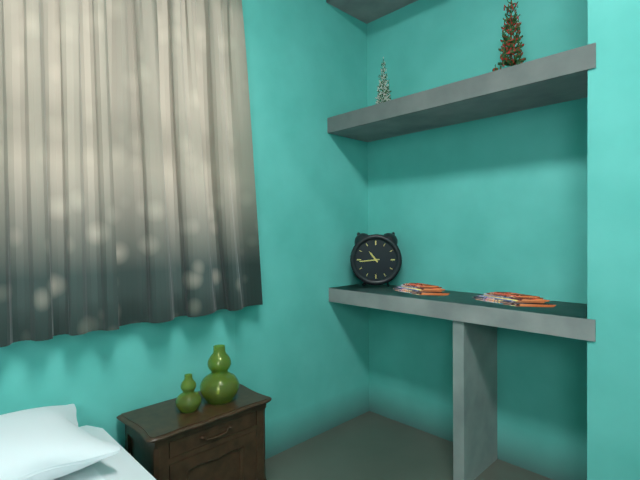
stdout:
10,44
